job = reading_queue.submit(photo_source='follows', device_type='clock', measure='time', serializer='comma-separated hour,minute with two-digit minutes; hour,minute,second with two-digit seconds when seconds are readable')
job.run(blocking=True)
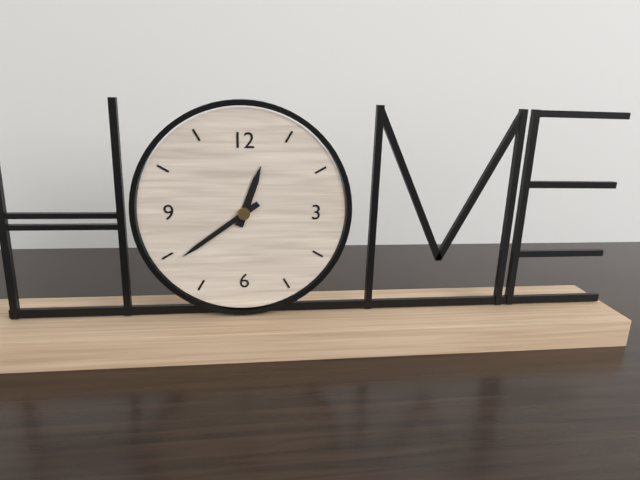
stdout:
12,39
